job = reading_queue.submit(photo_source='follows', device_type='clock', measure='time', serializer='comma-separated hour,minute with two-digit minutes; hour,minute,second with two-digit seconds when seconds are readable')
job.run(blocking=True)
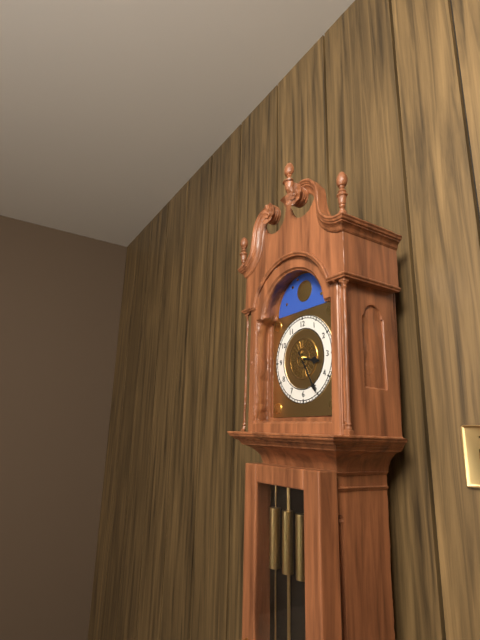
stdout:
3,25
